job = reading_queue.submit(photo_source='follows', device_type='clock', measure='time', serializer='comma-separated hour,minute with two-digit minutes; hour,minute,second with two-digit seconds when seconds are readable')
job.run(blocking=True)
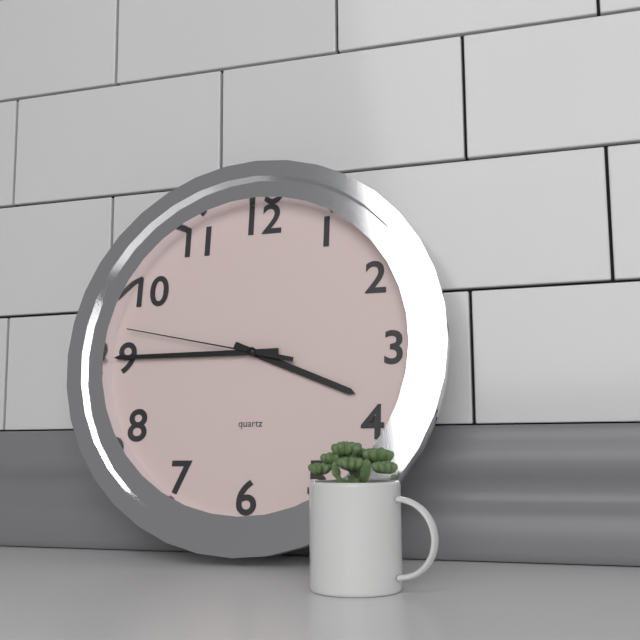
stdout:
3,45,47
